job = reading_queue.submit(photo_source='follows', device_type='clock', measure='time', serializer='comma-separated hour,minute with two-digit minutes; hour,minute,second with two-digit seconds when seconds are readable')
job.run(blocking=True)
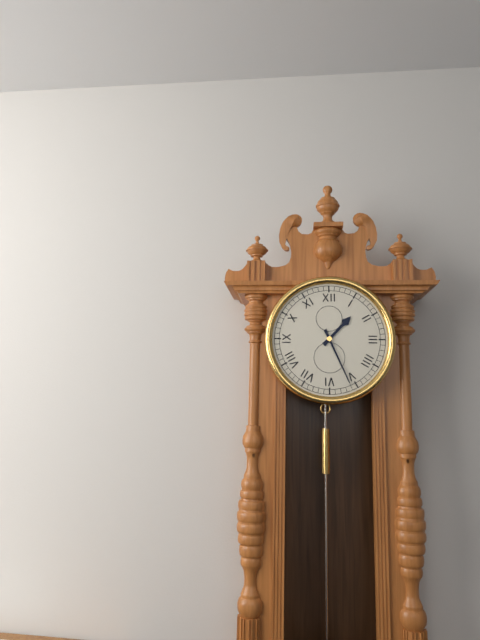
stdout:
1,26
